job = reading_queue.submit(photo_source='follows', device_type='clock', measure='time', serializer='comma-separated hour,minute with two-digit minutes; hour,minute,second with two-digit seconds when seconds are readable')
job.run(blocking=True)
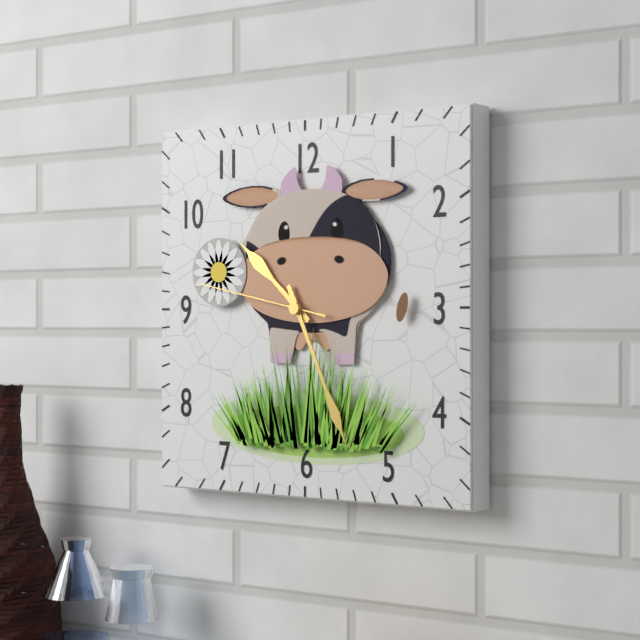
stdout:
10,26,47
